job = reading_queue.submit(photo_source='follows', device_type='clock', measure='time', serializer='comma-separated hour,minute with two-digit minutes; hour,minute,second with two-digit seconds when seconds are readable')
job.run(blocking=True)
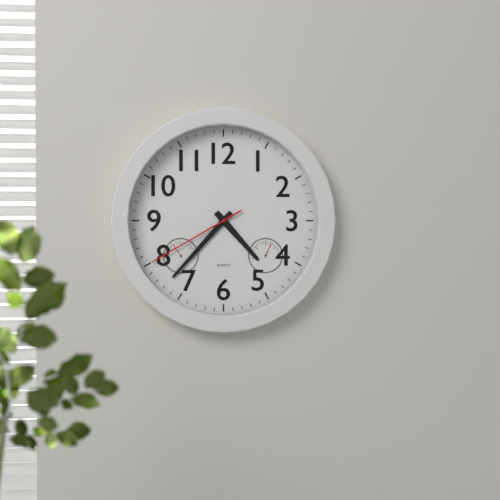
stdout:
4,37,40
